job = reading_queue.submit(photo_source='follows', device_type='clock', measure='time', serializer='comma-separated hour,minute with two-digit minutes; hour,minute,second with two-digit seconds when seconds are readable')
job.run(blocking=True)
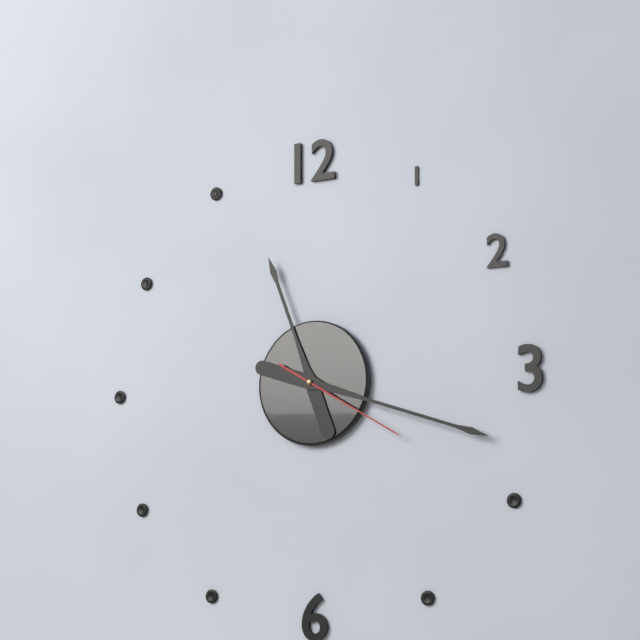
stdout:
11,18,20
